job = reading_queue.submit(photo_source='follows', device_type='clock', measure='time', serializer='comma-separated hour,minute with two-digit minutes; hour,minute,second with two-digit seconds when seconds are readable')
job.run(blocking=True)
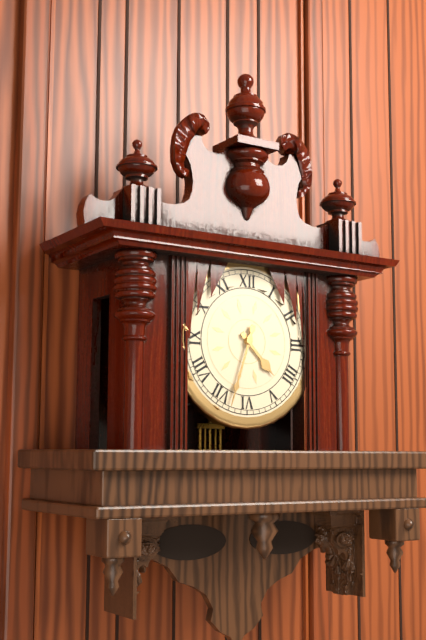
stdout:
4,33
